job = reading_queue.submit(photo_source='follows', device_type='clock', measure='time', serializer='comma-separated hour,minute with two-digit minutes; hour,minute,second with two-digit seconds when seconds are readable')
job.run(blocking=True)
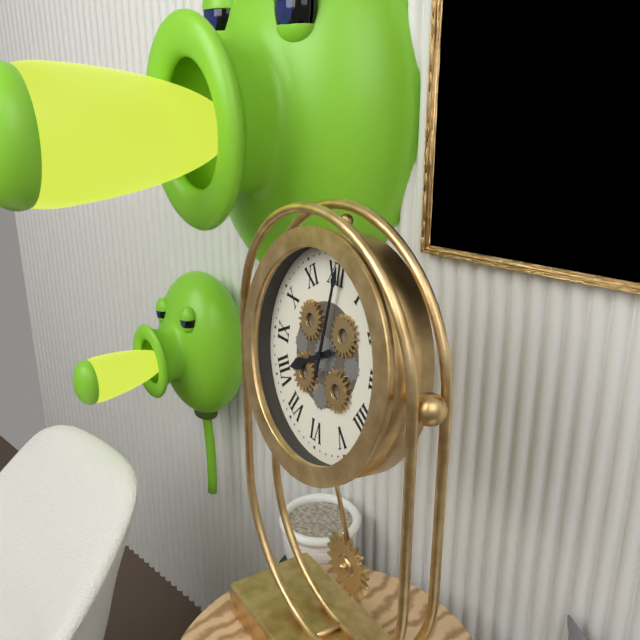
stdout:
8,01
